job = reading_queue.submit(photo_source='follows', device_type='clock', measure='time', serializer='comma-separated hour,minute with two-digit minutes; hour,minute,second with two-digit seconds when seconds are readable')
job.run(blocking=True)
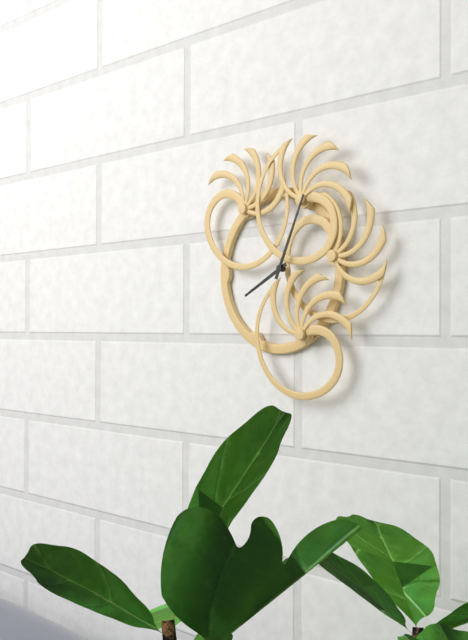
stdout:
8,04
